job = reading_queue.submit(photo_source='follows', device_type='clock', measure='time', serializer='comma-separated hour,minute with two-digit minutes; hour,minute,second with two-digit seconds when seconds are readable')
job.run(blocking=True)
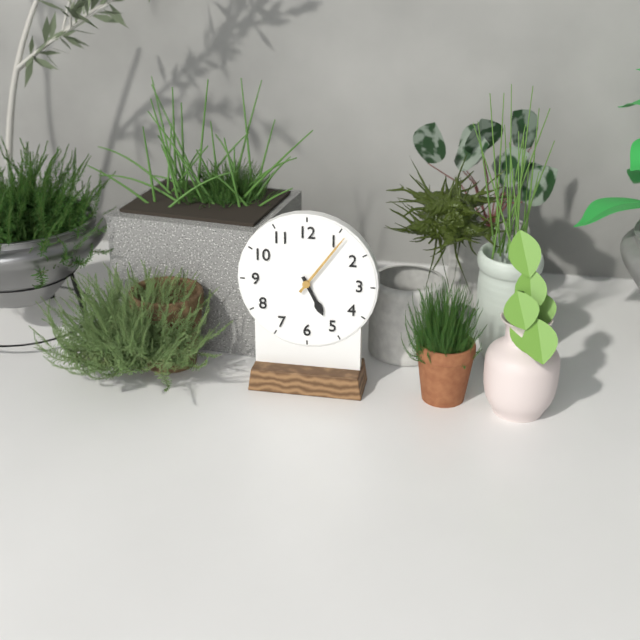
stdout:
5,06
